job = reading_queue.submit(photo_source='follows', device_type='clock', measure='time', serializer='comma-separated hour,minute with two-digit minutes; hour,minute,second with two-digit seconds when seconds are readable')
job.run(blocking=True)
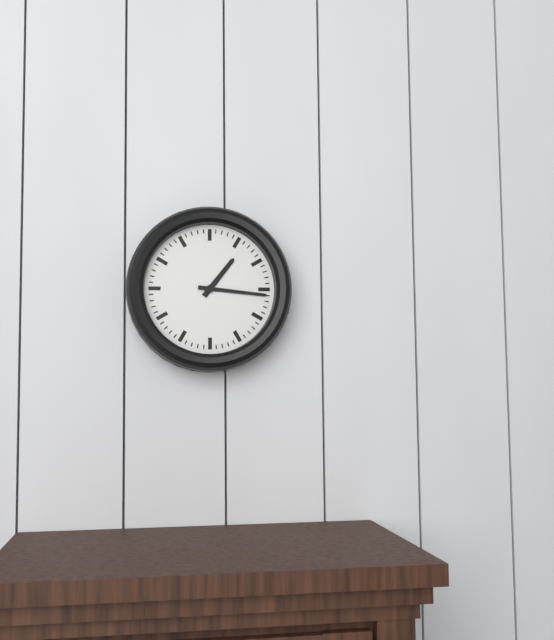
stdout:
1,16
